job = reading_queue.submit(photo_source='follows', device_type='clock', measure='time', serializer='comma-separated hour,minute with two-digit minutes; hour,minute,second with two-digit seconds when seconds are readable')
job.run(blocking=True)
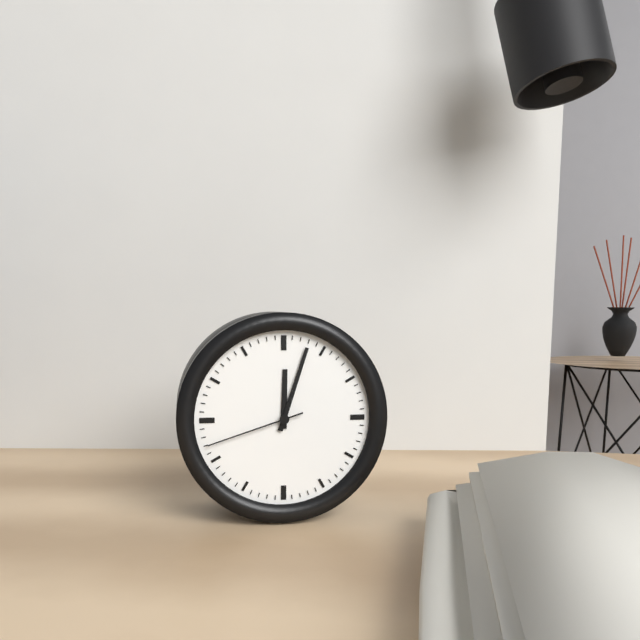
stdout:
12,03,42
